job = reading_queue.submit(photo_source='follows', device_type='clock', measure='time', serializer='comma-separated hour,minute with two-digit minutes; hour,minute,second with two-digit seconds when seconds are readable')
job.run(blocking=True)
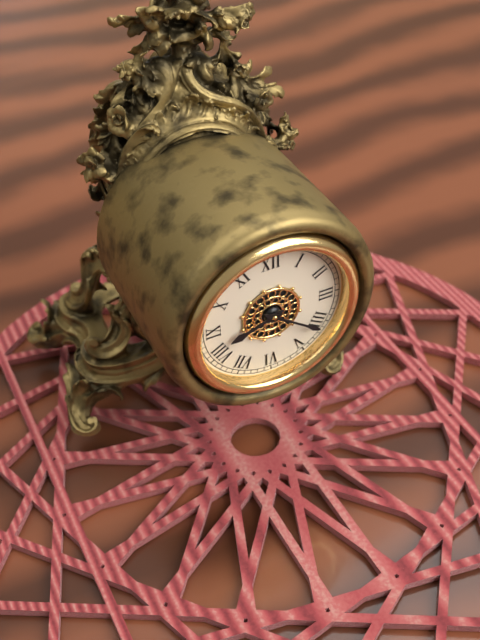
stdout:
8,21
